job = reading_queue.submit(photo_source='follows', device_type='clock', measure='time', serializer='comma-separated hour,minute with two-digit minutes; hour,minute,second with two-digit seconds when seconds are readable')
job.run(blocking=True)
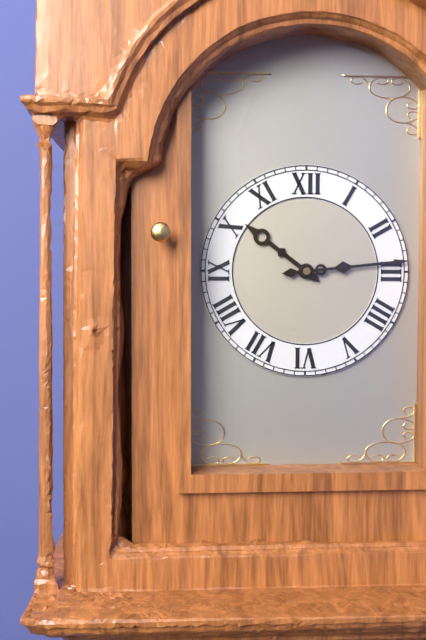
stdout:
10,14
